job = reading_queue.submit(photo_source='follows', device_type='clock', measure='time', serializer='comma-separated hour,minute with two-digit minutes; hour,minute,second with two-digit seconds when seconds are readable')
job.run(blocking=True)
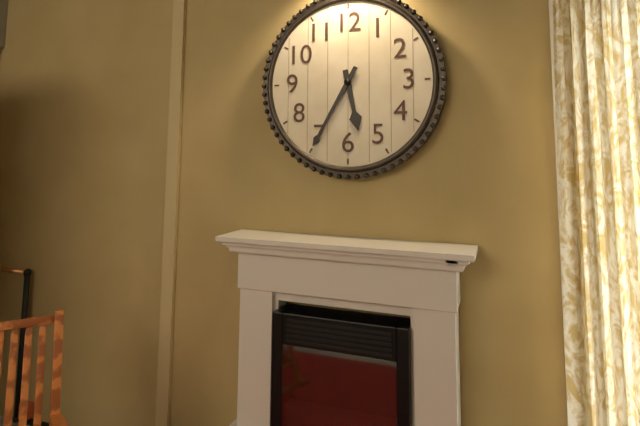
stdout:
5,35
